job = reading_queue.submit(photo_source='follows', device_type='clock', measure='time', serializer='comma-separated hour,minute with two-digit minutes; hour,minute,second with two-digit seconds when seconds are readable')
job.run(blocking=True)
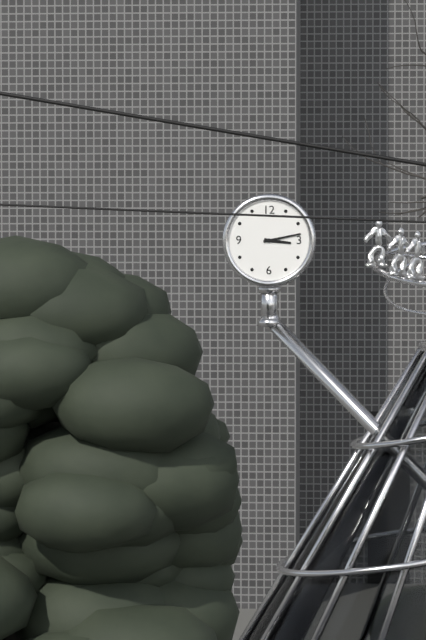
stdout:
3,13
